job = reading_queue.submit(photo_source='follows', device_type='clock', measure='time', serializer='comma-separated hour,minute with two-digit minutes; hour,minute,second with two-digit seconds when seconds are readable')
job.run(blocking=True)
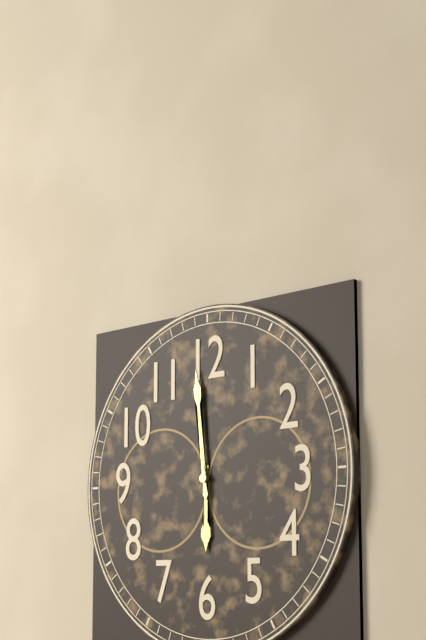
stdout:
5,59
